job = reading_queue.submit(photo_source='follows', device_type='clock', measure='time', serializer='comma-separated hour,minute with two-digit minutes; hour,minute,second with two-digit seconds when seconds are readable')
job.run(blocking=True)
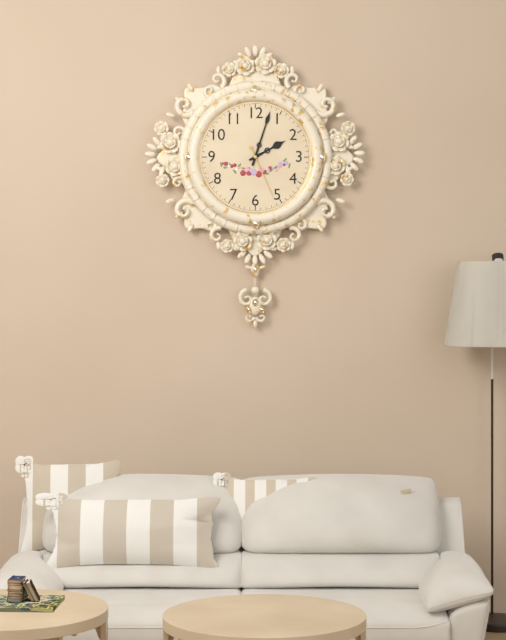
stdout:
2,03,26
